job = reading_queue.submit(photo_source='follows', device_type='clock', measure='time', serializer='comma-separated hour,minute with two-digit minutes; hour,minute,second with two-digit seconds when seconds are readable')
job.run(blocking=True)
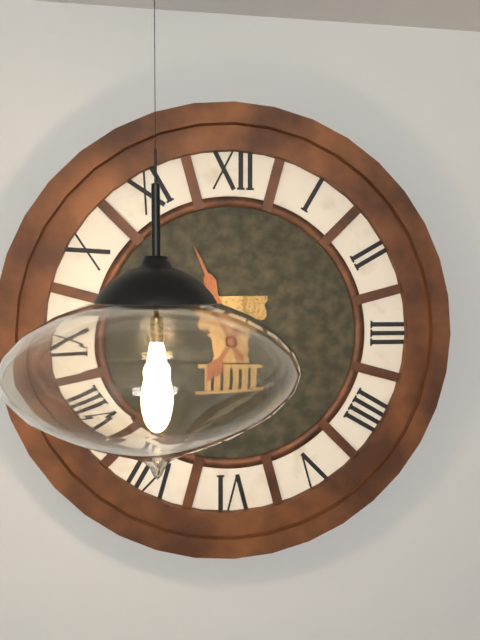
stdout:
6,56
